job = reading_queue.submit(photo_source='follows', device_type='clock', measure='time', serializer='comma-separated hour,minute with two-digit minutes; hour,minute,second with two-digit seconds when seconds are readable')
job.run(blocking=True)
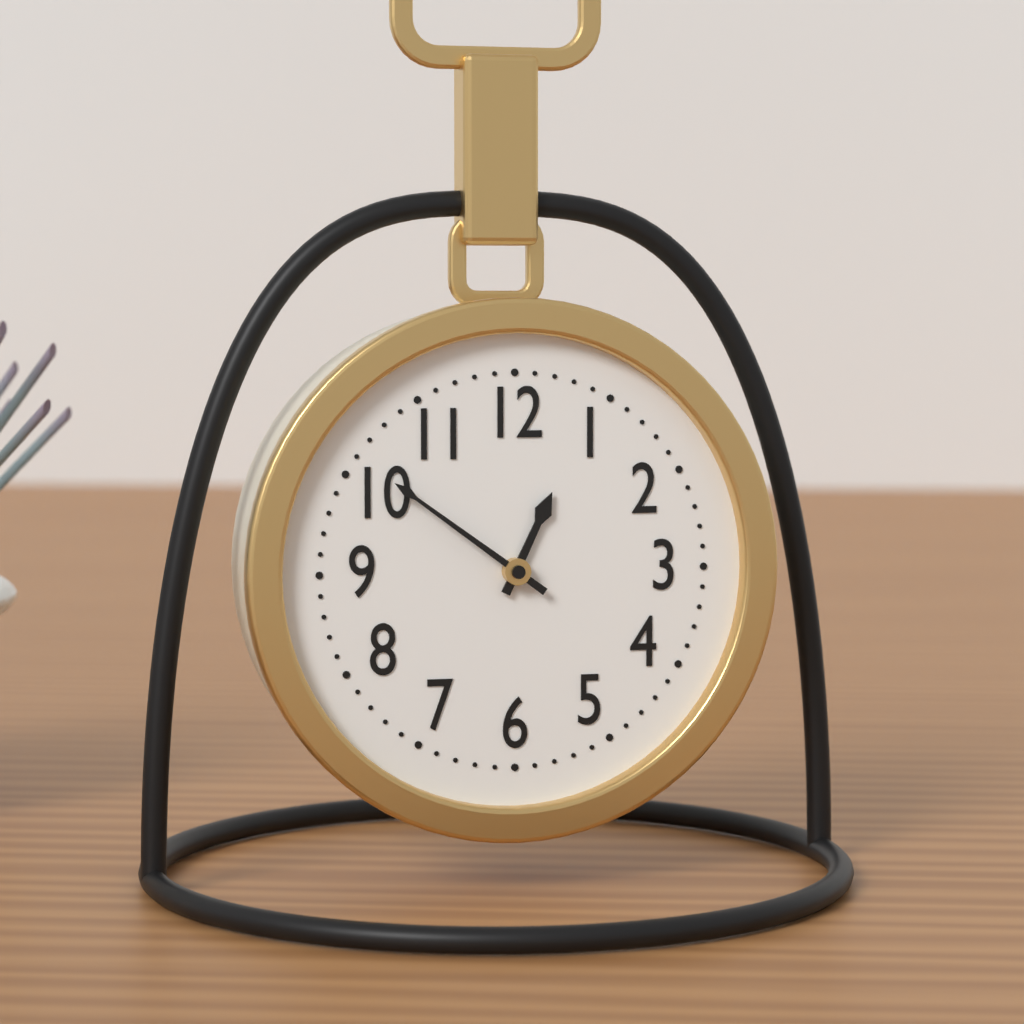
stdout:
12,51
